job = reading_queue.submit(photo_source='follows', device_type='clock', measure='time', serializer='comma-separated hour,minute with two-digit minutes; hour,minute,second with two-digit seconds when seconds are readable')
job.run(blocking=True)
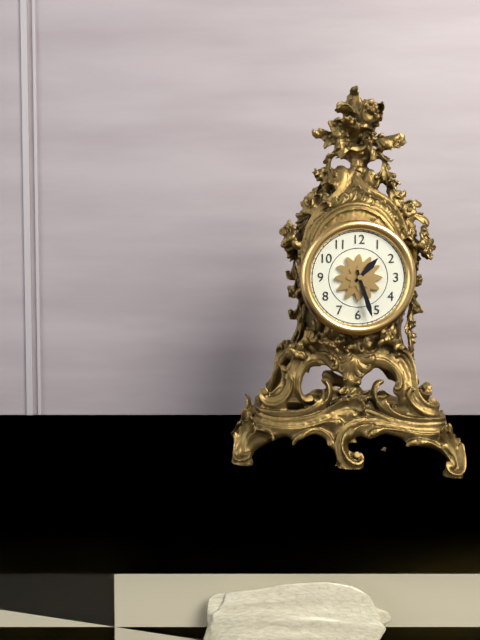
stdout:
1,27
